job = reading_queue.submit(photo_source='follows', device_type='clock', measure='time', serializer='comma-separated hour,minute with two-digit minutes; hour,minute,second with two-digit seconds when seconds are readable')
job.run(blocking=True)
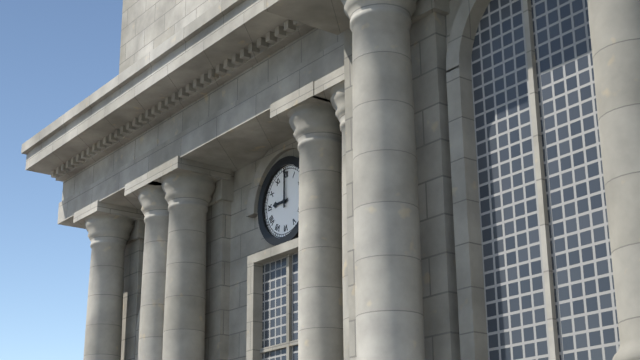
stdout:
9,00
